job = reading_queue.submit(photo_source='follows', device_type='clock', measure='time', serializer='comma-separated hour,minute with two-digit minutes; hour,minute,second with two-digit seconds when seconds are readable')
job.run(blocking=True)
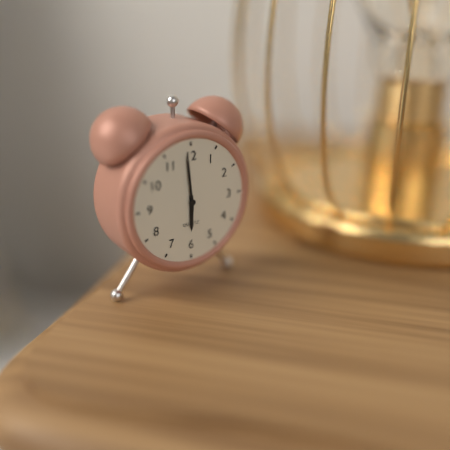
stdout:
5,59
